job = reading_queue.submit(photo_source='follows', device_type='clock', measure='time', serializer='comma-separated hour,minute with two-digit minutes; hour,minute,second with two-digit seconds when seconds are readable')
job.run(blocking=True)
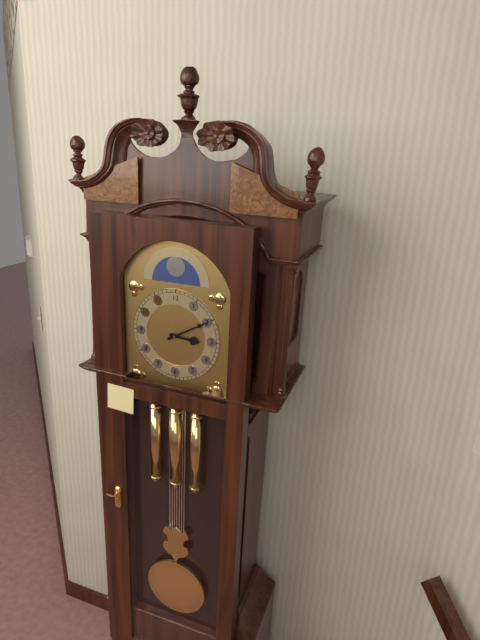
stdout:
3,10
